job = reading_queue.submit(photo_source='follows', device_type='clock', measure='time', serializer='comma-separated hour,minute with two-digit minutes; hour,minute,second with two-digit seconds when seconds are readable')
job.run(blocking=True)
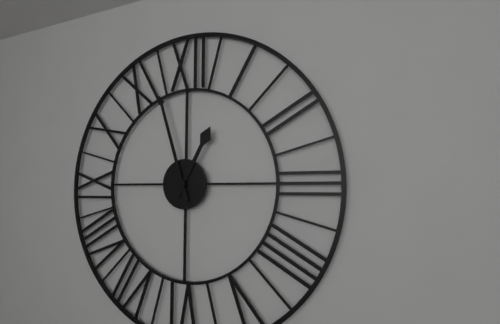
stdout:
12,57
